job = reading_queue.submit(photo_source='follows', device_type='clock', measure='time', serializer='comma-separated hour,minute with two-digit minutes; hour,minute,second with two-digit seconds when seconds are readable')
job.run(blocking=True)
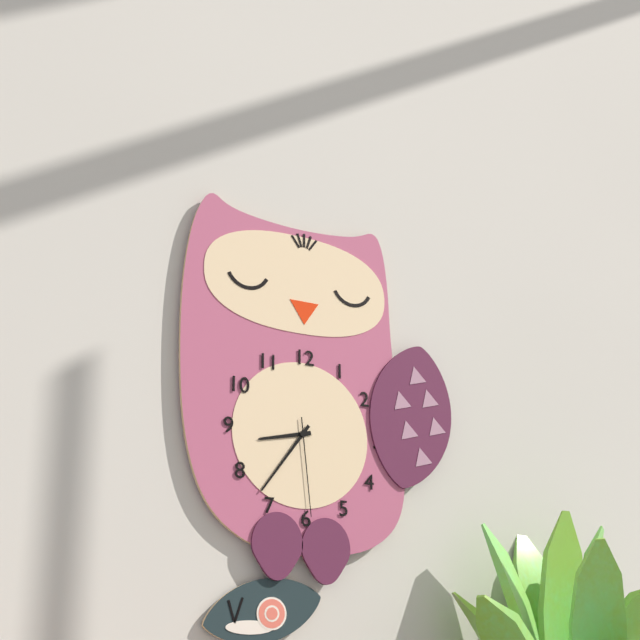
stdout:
8,36,29
